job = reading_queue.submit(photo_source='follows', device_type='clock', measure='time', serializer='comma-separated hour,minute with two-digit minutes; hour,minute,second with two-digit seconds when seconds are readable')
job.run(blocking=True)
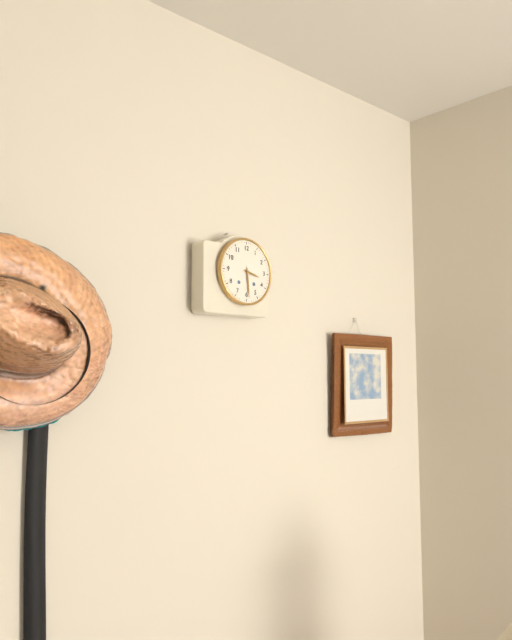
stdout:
3,29
